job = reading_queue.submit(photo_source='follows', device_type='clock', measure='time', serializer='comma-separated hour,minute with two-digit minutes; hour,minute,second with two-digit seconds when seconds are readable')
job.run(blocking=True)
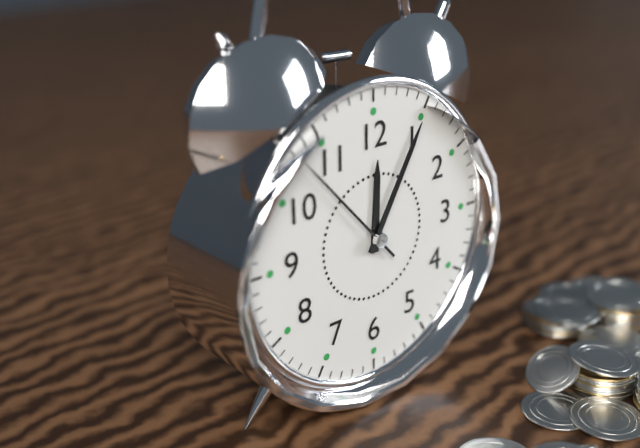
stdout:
12,05,53
